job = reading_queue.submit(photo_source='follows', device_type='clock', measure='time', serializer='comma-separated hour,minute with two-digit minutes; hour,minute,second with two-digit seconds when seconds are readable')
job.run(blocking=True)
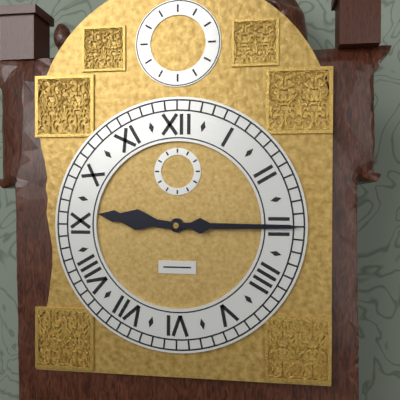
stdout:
9,15
